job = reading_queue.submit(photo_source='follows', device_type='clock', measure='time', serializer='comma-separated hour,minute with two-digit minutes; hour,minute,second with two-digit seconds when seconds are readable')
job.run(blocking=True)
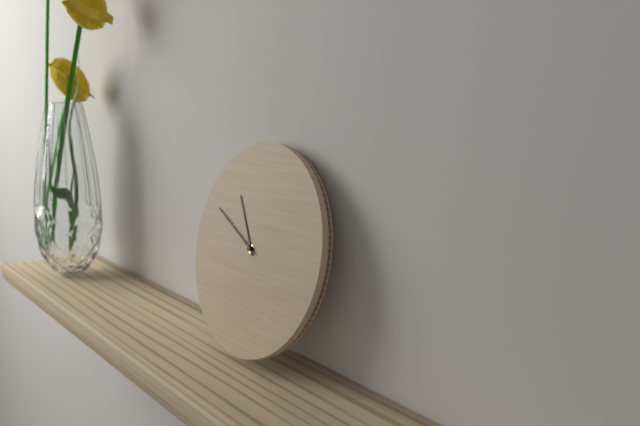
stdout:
10,49
